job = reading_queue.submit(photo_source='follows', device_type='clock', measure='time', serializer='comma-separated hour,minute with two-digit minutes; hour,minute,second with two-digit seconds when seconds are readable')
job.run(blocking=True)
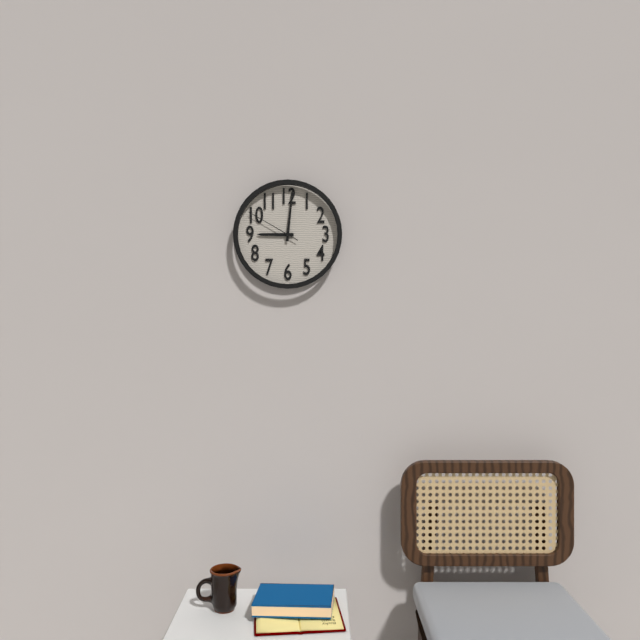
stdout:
9,01,50
